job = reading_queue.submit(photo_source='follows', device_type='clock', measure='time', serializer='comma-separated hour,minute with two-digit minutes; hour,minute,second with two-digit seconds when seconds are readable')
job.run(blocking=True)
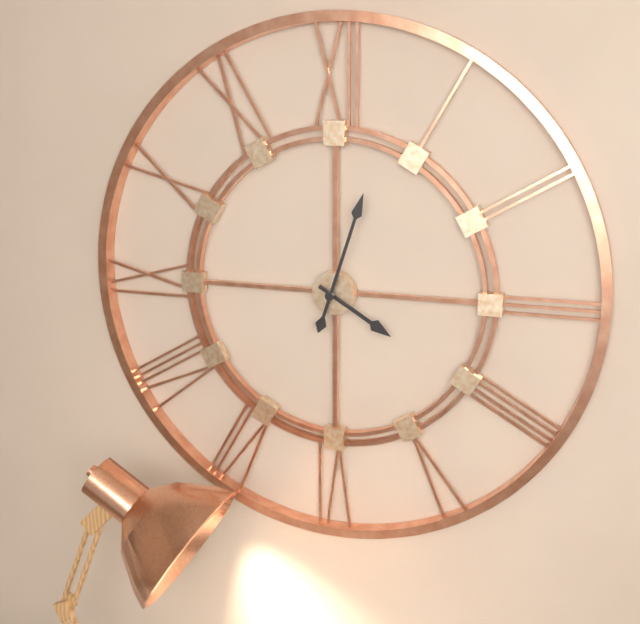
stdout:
4,03
